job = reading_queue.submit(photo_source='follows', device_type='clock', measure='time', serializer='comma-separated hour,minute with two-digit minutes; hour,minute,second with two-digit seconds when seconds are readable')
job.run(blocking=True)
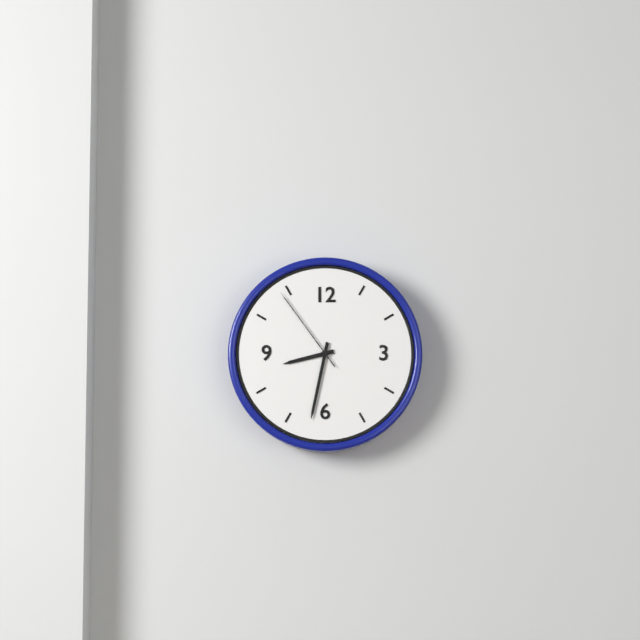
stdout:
8,32,54
